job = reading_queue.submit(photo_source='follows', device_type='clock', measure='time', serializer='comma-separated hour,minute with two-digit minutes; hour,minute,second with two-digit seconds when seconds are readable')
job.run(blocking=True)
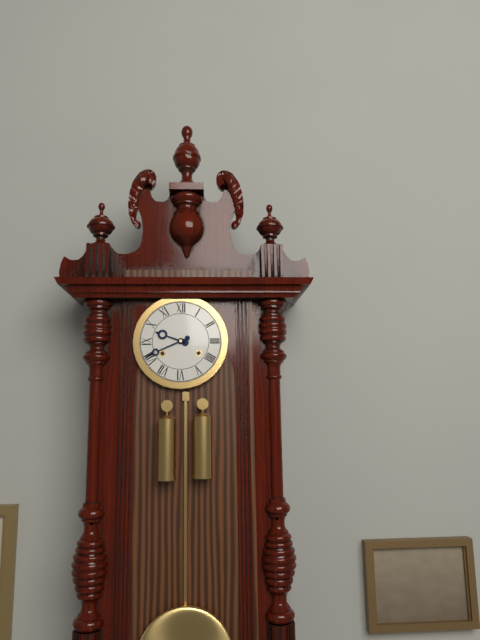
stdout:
9,41
